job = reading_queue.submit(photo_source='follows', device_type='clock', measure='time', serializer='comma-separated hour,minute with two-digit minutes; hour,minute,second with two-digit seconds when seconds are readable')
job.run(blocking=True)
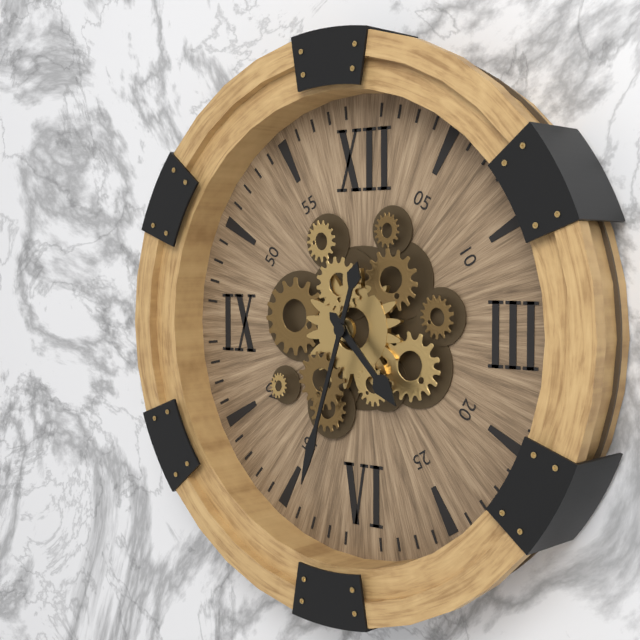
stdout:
4,33
